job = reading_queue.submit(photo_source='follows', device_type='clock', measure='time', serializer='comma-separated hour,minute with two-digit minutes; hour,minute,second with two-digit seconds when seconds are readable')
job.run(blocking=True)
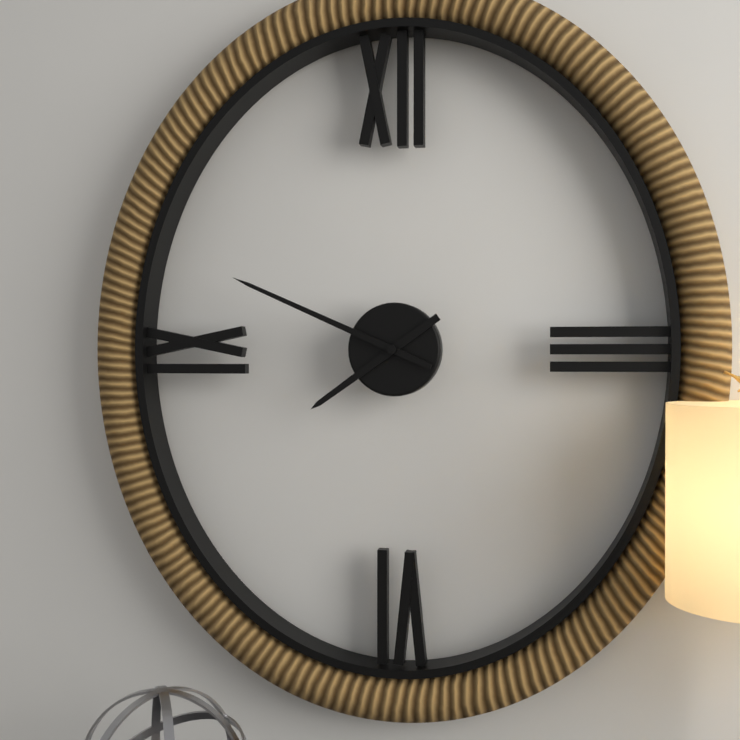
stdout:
7,49
